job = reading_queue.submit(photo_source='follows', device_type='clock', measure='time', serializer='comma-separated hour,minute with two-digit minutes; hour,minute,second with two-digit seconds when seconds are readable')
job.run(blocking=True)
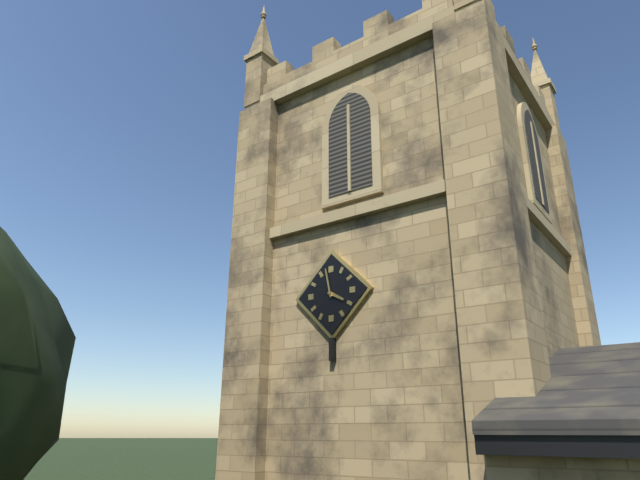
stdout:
3,58
